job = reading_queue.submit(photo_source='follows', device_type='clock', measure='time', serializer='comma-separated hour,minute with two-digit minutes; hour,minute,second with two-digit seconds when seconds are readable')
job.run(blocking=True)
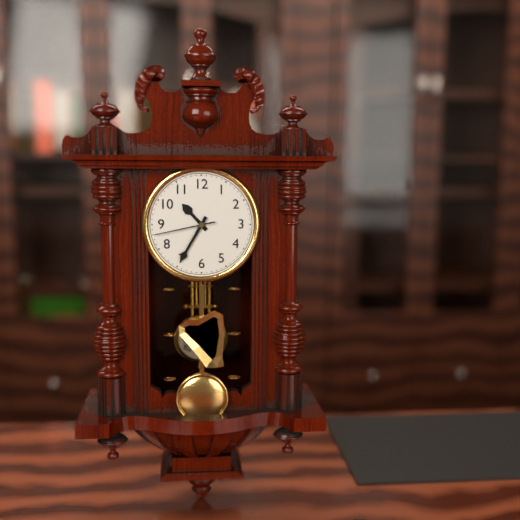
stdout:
10,35,43
